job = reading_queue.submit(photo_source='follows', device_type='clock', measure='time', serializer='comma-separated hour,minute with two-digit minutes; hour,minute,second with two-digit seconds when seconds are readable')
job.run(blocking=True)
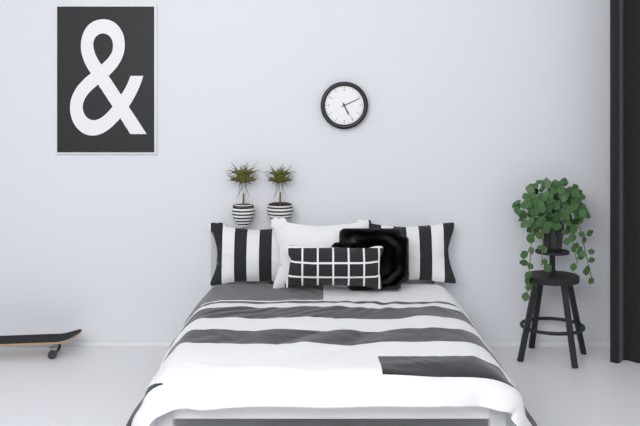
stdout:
5,11
